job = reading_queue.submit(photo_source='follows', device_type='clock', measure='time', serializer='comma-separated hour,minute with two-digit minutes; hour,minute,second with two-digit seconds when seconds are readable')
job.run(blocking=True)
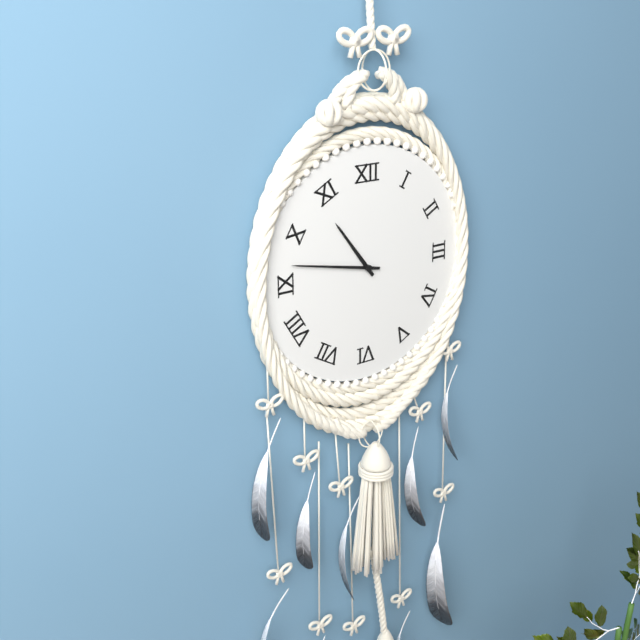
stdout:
10,47
